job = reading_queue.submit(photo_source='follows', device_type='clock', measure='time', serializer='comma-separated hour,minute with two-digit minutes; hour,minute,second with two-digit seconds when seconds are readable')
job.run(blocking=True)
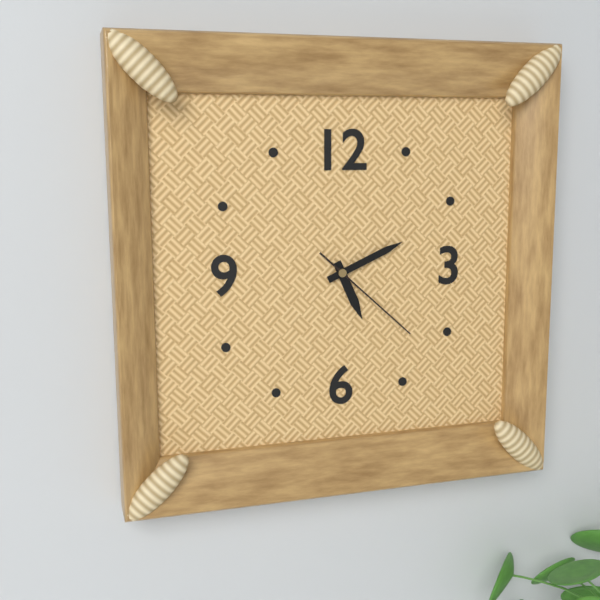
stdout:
5,11,22
